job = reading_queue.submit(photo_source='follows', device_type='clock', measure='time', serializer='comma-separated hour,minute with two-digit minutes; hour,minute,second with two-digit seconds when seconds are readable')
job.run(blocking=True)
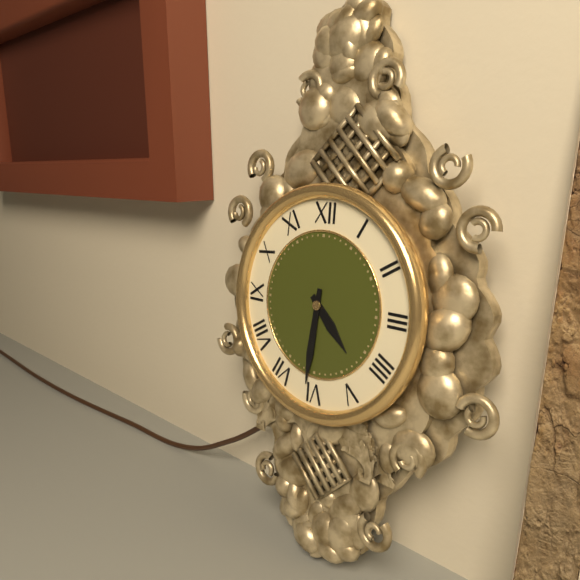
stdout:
4,31
